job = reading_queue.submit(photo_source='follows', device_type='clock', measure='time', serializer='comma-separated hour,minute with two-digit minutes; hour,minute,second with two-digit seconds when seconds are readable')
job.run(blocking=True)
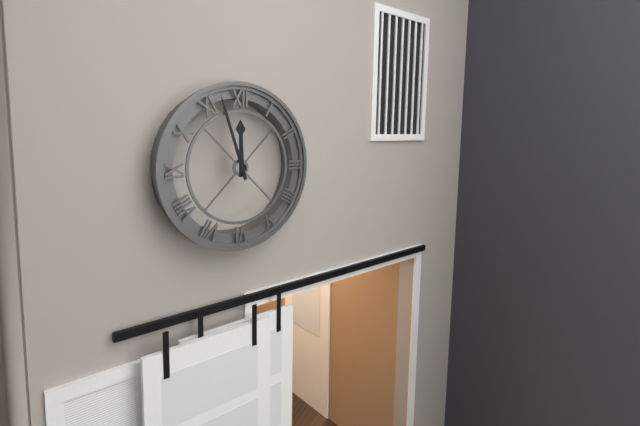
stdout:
11,57
